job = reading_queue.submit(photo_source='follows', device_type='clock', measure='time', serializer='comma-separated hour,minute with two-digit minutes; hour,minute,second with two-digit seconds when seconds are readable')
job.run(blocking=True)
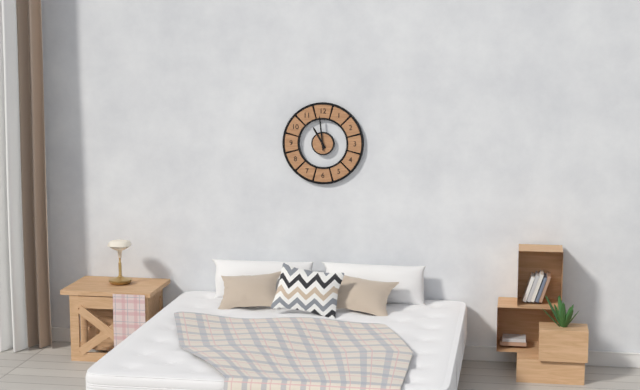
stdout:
10,59
